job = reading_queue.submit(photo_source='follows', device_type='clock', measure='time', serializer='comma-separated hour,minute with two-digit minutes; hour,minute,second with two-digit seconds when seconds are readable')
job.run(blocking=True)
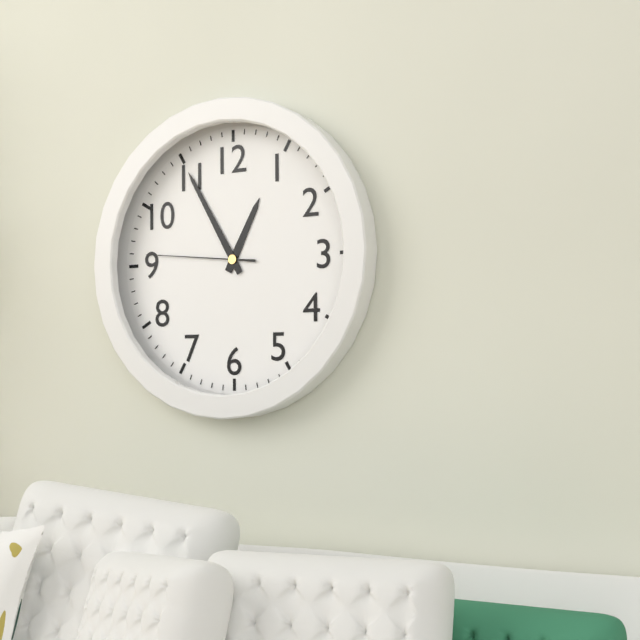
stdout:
12,55,46
